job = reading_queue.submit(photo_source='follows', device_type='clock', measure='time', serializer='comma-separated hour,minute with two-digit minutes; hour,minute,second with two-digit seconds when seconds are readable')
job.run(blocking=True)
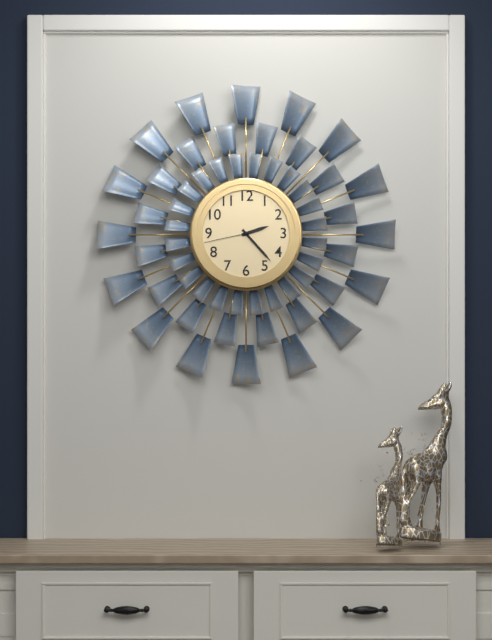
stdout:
2,23,43
